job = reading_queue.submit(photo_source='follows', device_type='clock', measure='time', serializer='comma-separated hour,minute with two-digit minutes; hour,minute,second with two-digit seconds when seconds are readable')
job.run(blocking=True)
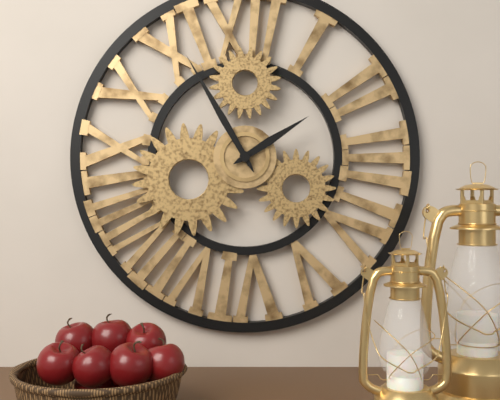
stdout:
1,55
